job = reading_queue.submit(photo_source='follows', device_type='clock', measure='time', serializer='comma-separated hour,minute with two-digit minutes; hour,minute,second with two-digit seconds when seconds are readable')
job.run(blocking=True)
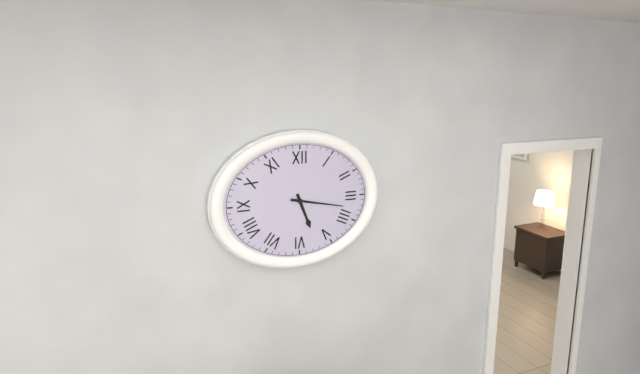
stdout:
5,17
